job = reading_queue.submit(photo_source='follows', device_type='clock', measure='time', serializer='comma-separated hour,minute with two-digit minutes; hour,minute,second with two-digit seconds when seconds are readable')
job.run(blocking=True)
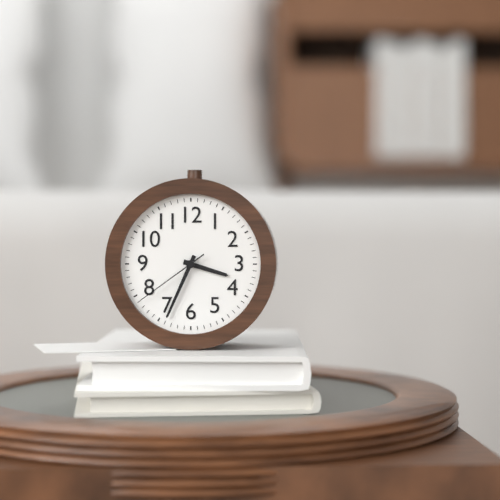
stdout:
3,34,39
